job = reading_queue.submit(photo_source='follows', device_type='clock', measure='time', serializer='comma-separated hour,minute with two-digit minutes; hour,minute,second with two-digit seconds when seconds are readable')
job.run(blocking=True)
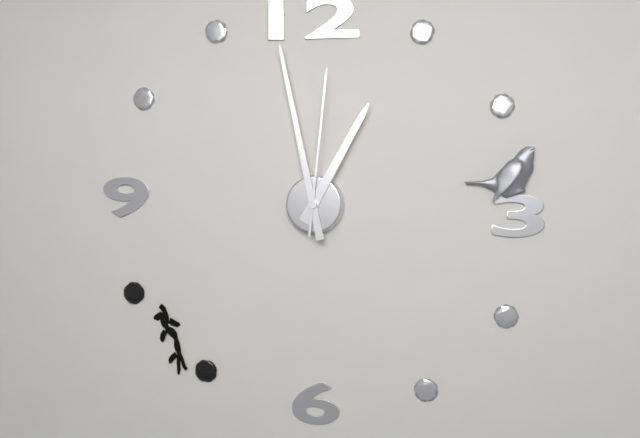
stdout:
12,58,01
